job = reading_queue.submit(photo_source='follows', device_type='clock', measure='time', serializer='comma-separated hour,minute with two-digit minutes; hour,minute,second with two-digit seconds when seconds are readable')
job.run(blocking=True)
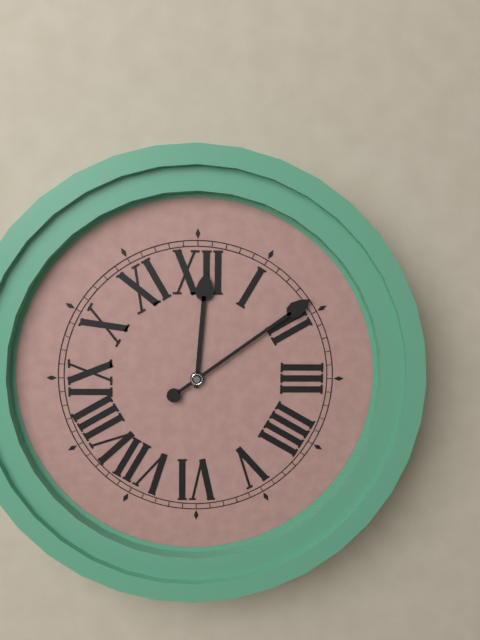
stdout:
12,09
